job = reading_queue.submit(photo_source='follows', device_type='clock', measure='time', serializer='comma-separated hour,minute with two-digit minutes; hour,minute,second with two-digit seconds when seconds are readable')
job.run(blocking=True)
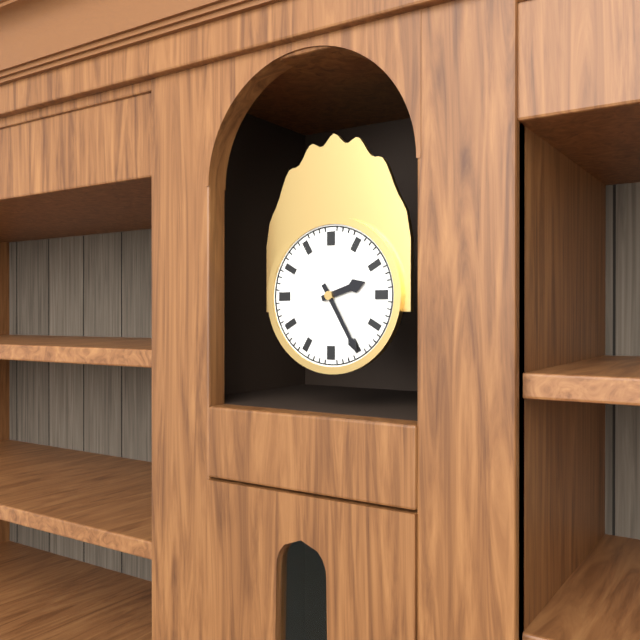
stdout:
2,25
